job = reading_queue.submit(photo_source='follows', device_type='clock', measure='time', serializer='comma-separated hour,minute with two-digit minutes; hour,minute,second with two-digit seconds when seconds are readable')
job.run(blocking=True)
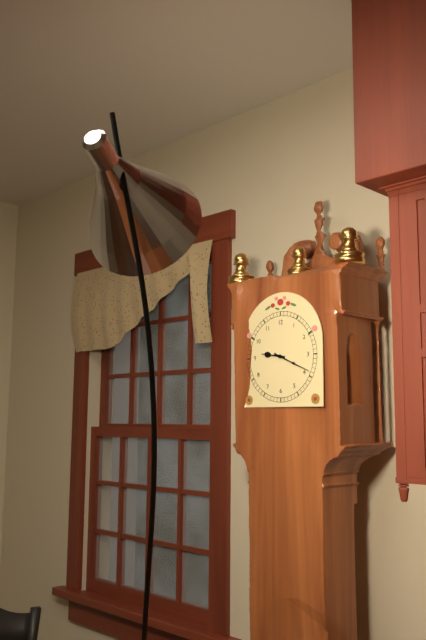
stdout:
9,19
